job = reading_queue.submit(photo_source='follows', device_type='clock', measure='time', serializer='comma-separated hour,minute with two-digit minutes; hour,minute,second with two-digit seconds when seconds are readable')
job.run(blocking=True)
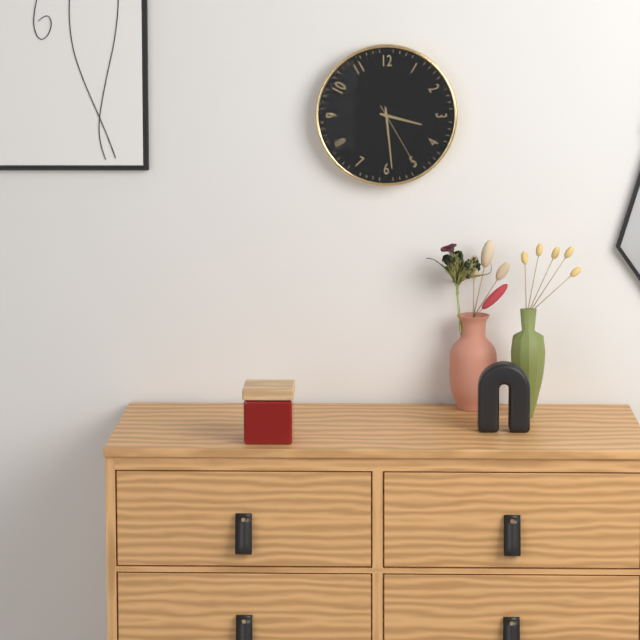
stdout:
3,29,25
